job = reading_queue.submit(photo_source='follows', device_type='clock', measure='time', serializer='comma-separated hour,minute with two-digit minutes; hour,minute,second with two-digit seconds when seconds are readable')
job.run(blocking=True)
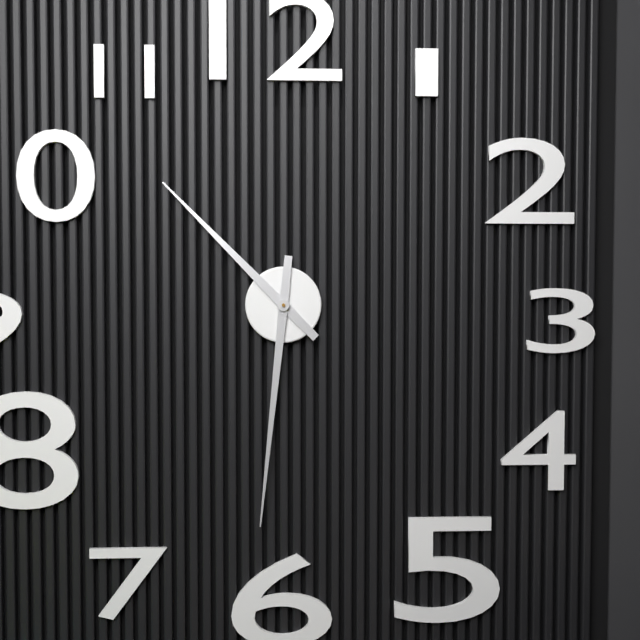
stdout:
10,31
